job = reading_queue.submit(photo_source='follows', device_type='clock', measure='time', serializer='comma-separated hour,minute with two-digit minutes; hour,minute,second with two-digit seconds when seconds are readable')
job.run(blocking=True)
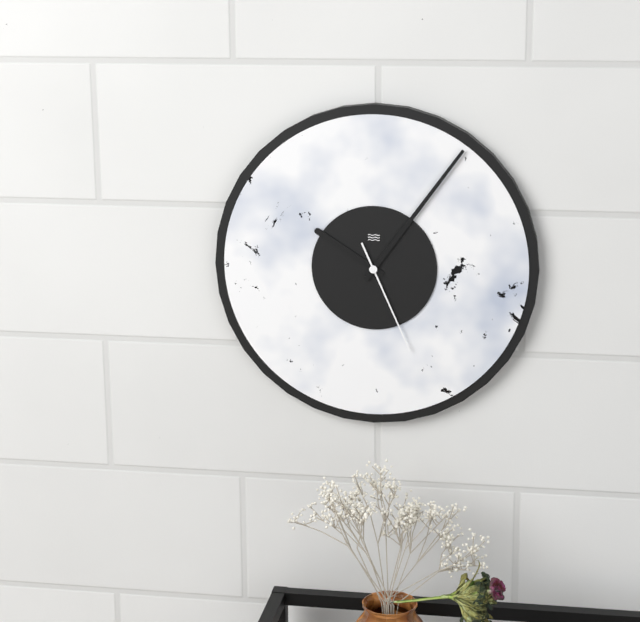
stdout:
10,06,26
